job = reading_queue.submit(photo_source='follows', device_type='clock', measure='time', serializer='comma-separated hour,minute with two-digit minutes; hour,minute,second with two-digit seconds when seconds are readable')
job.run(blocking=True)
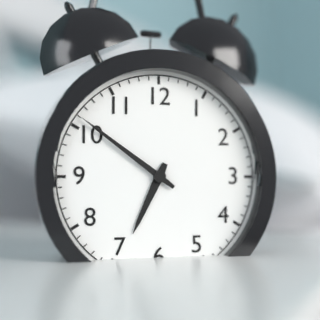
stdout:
6,51
